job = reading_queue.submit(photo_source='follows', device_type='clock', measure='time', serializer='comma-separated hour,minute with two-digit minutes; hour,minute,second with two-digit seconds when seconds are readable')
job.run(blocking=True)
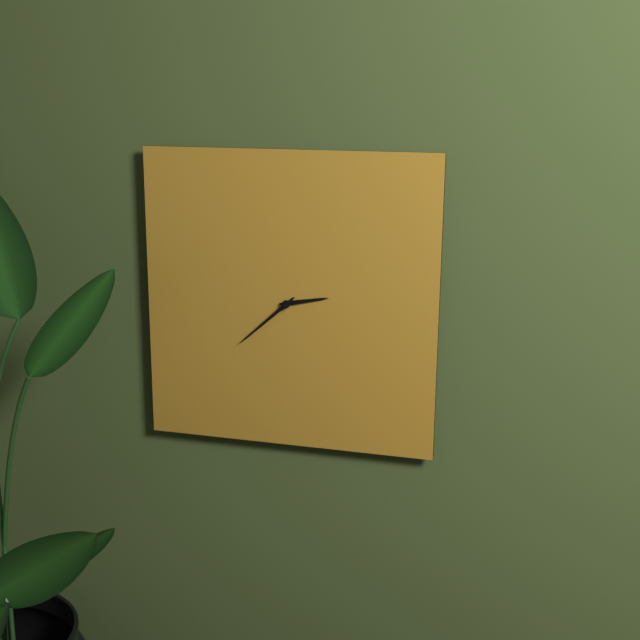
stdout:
2,38
